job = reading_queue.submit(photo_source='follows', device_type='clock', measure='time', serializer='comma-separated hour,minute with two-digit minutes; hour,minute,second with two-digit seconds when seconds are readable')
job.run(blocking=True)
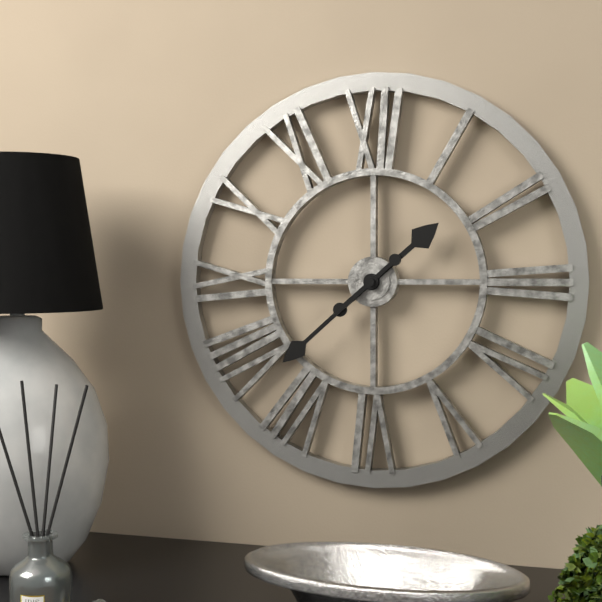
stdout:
1,38
